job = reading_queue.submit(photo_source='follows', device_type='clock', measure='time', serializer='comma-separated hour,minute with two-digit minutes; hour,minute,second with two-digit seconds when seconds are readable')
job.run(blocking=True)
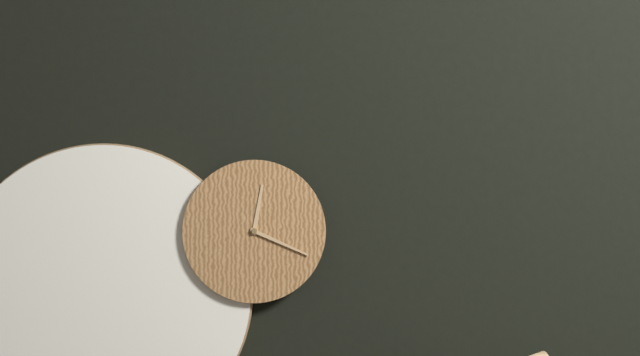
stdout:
12,19
